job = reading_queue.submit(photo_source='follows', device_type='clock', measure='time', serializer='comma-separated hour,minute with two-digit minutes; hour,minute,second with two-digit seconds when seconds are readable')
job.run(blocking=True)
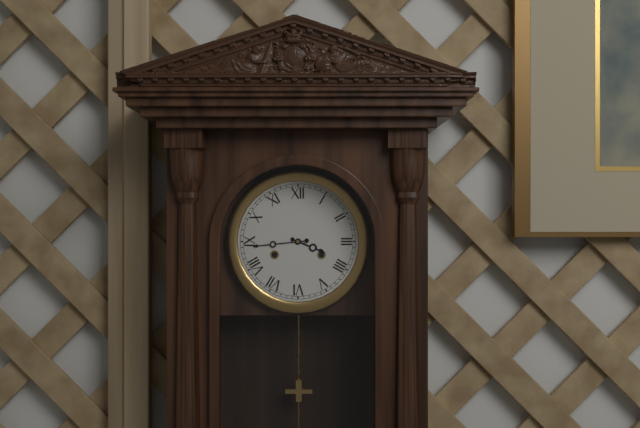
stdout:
3,44
